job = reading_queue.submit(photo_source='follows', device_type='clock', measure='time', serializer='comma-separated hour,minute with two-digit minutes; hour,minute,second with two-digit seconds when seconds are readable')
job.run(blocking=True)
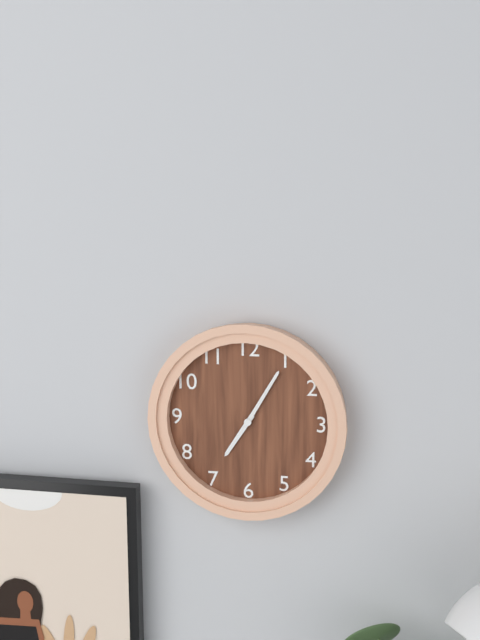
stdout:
7,05
